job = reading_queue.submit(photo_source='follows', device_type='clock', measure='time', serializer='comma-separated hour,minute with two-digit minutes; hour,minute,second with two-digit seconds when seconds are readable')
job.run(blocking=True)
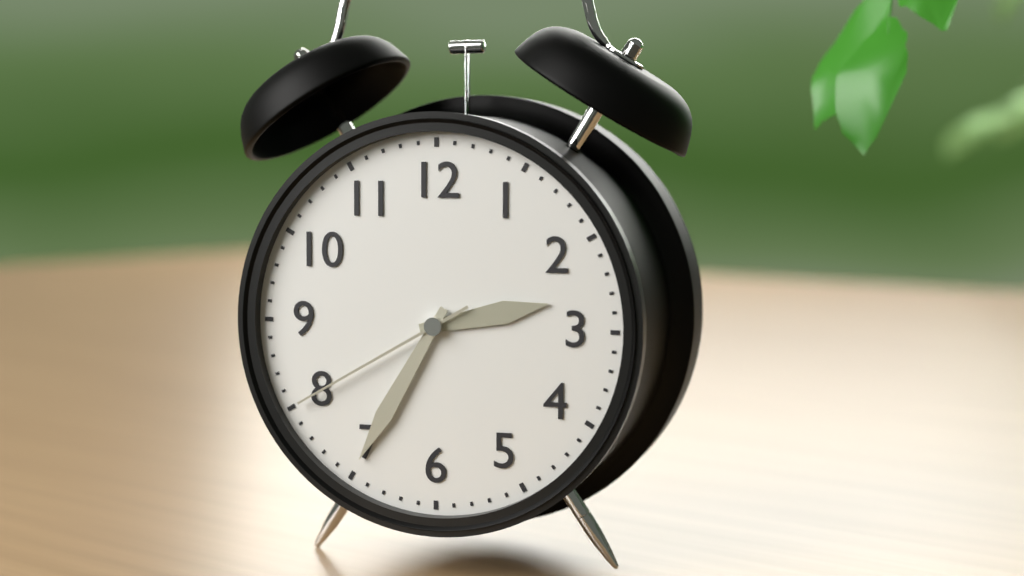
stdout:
2,35,40
